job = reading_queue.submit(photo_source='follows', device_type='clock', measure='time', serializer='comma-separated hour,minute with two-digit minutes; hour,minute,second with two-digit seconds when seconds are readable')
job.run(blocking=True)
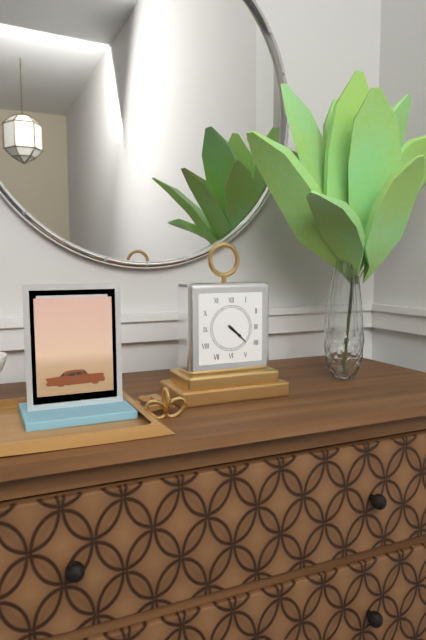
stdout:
4,22
